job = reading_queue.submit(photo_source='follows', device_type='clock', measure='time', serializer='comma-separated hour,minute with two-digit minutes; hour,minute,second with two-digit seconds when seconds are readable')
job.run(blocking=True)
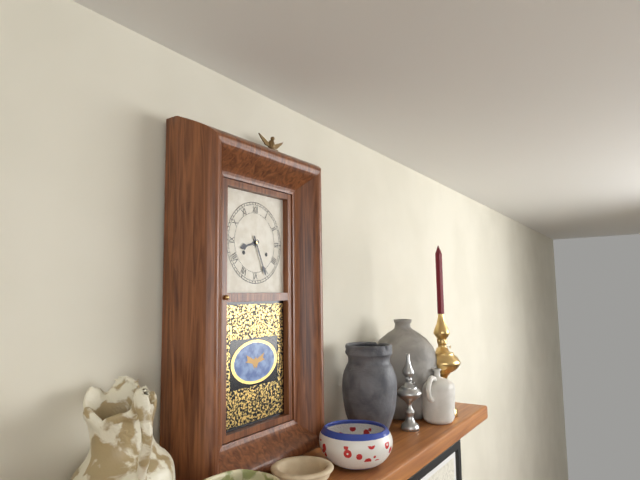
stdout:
8,26
